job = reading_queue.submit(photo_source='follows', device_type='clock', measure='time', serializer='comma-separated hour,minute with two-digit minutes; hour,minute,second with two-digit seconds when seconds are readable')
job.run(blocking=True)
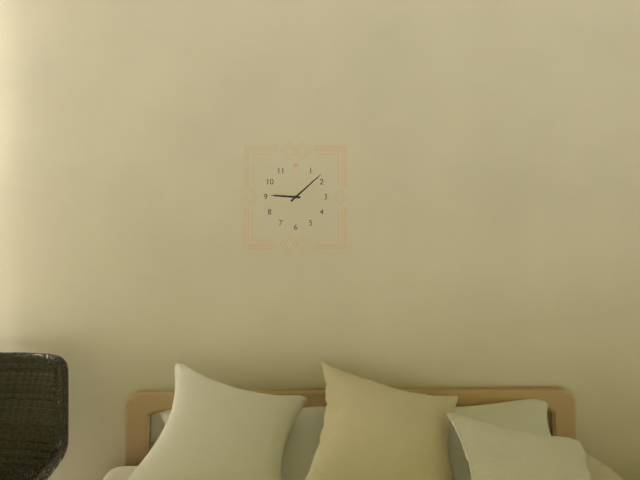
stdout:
9,08
